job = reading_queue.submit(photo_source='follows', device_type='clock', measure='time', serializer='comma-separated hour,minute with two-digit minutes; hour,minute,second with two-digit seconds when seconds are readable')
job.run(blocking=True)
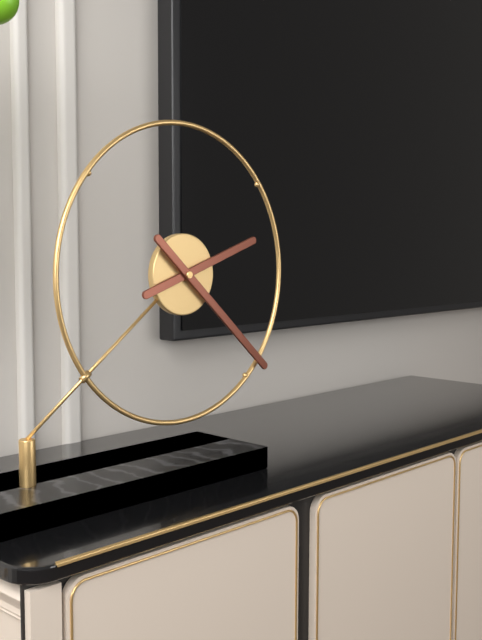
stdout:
2,22
